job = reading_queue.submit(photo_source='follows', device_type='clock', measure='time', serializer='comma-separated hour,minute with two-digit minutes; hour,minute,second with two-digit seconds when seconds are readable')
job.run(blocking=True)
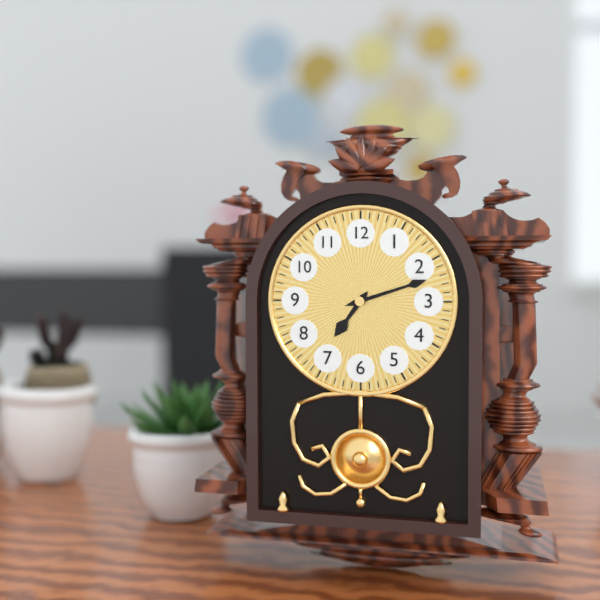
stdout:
7,12
